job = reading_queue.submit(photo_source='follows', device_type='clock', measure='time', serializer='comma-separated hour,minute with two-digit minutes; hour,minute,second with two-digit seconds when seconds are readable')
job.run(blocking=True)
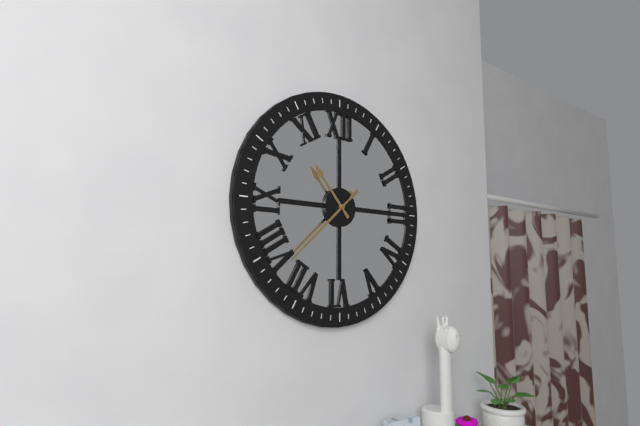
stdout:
10,38
